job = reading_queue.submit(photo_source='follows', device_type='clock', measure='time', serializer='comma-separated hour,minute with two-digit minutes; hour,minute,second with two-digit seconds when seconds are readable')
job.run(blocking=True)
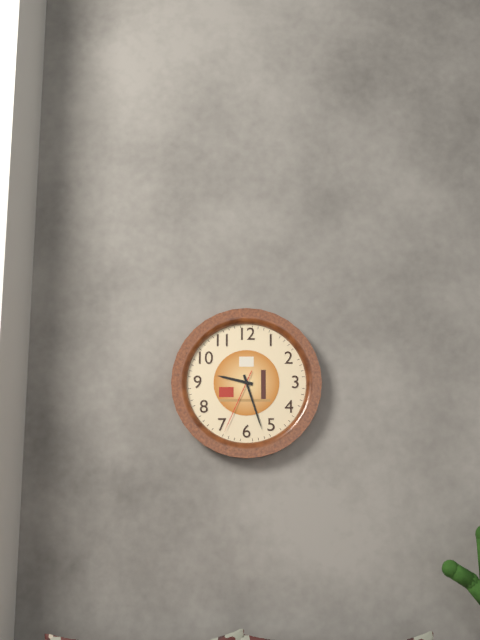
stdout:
9,27,34
